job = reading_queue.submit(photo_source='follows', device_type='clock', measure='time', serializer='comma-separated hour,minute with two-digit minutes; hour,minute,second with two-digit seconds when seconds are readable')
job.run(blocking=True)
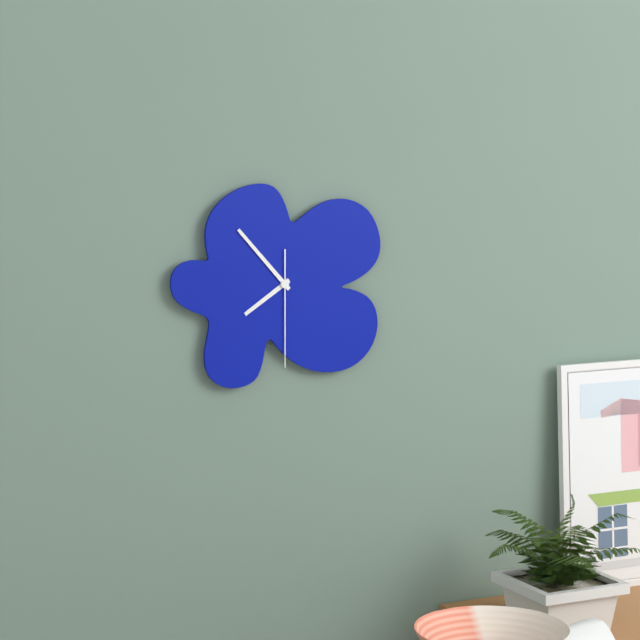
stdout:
7,53,30
